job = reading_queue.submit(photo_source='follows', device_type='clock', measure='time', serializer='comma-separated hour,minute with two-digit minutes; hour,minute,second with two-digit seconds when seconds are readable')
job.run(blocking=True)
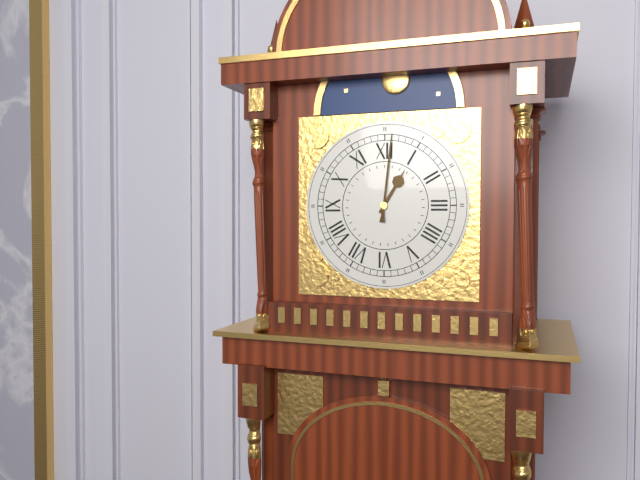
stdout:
1,01
